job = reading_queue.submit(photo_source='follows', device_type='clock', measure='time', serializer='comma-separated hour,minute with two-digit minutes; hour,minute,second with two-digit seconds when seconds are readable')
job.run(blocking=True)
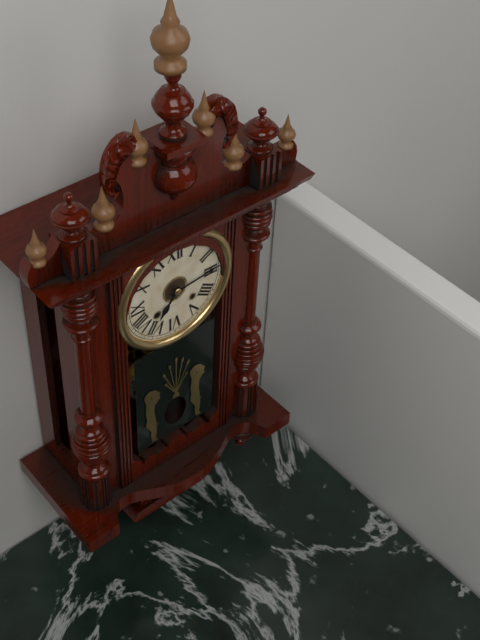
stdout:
7,14
